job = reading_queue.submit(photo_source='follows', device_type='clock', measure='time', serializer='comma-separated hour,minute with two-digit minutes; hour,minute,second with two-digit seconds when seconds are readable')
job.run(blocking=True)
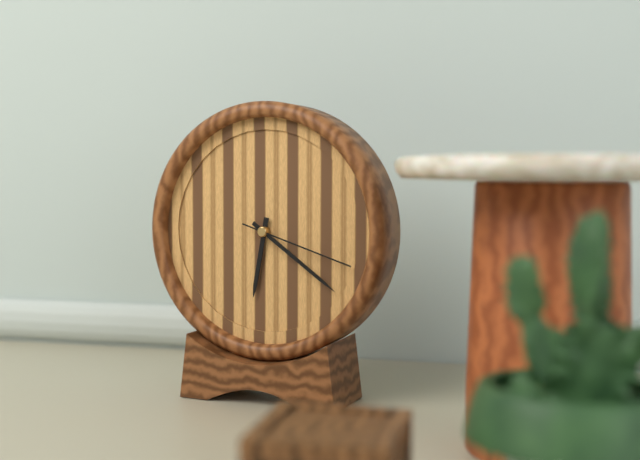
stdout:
6,21,18
